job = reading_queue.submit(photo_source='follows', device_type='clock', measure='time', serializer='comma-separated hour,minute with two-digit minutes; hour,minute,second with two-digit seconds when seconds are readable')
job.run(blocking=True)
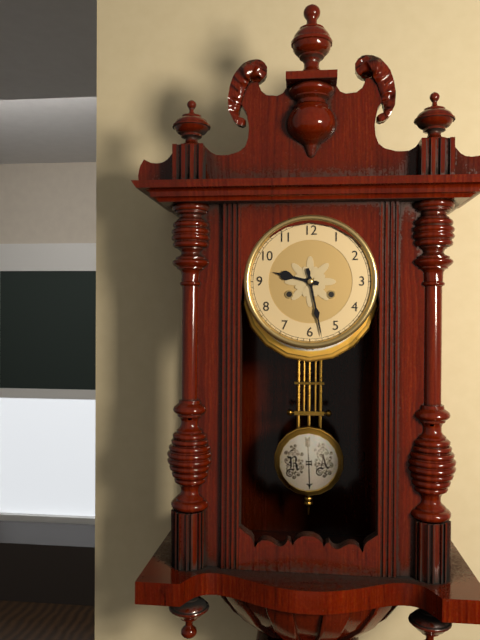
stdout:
9,28
